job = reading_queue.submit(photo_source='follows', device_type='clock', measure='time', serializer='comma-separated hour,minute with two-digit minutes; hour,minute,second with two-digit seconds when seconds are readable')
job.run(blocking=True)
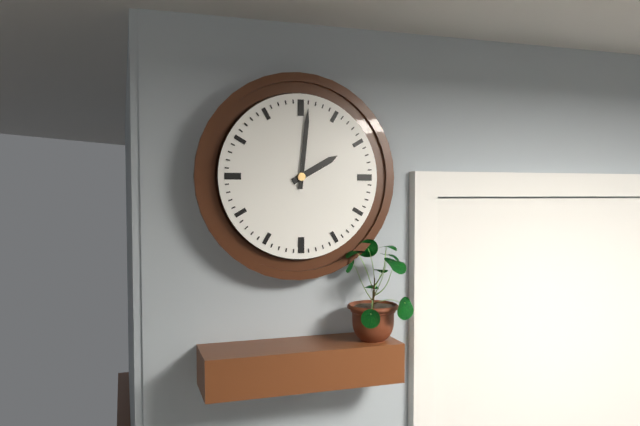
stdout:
2,01
